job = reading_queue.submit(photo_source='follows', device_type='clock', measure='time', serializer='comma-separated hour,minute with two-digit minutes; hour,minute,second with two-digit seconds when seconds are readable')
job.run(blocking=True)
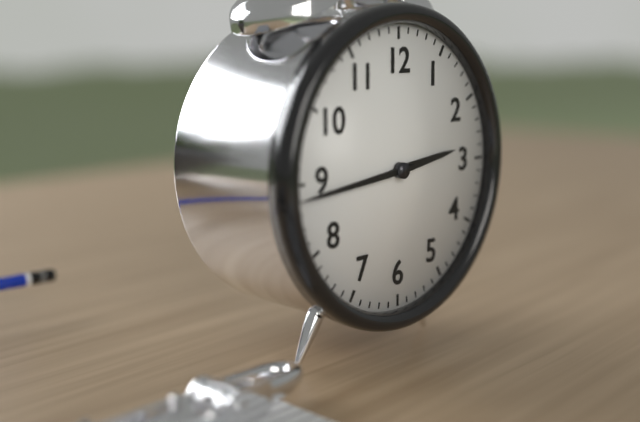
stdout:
2,44
